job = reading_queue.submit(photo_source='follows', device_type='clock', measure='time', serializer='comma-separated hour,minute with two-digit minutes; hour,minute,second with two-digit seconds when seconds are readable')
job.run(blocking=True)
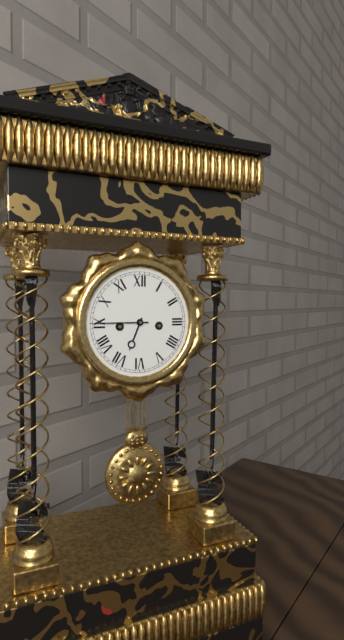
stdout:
6,45
